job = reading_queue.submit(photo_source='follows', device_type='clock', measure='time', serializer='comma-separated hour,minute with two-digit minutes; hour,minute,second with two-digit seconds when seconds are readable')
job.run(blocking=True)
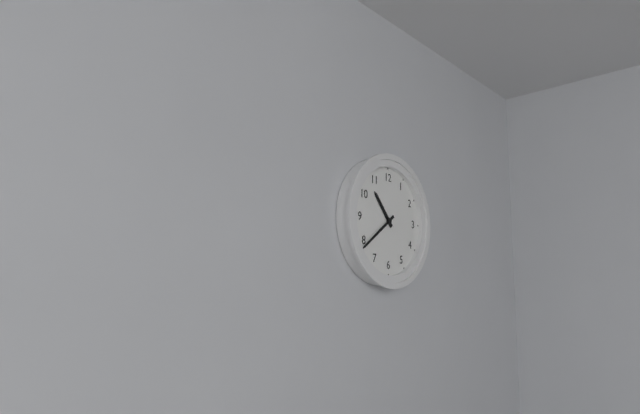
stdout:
10,39
